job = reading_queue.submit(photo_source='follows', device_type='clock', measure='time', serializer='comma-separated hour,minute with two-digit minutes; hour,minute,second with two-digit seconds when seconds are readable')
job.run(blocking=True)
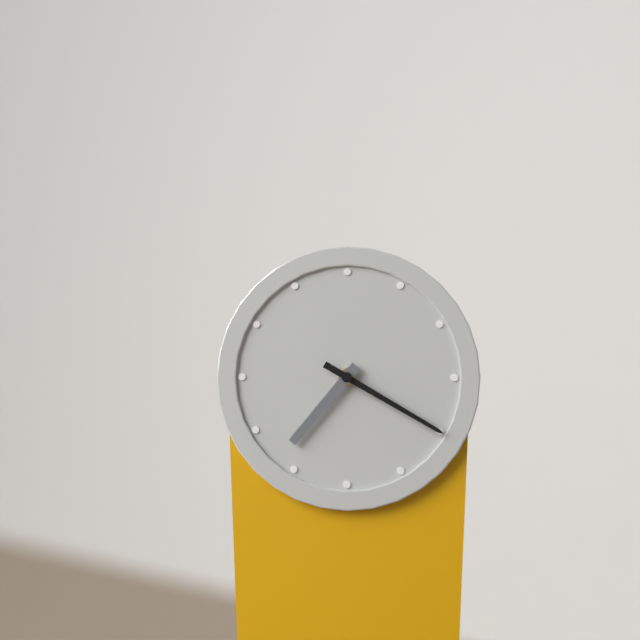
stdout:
7,20
